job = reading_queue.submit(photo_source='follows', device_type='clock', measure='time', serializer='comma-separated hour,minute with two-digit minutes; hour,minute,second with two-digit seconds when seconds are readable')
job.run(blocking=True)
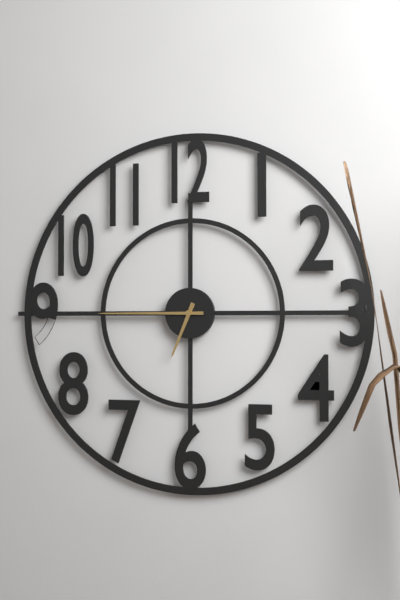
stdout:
6,45
